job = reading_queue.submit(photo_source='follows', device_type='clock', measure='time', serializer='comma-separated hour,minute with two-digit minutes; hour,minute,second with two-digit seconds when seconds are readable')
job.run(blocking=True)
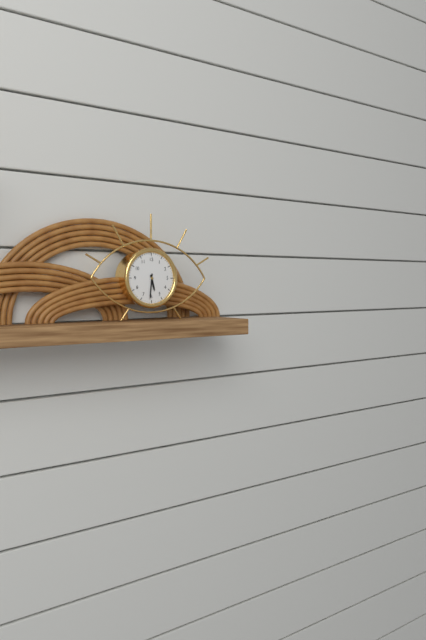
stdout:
5,31
